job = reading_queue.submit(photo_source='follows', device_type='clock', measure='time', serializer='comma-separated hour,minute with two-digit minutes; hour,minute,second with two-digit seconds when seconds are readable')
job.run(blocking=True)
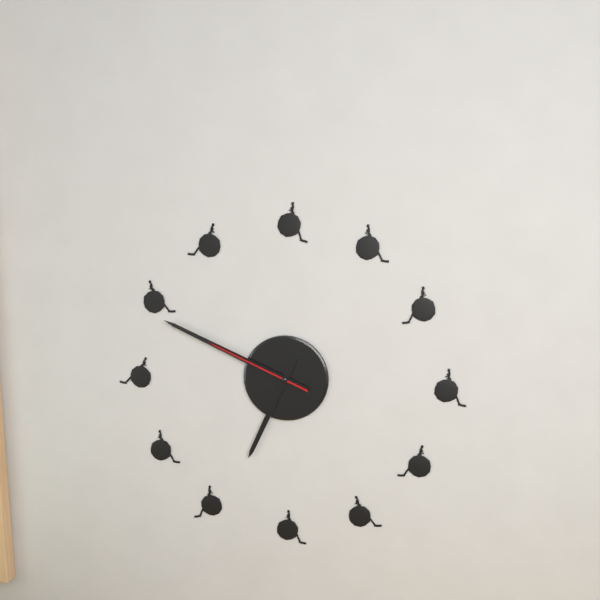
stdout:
6,49,49
